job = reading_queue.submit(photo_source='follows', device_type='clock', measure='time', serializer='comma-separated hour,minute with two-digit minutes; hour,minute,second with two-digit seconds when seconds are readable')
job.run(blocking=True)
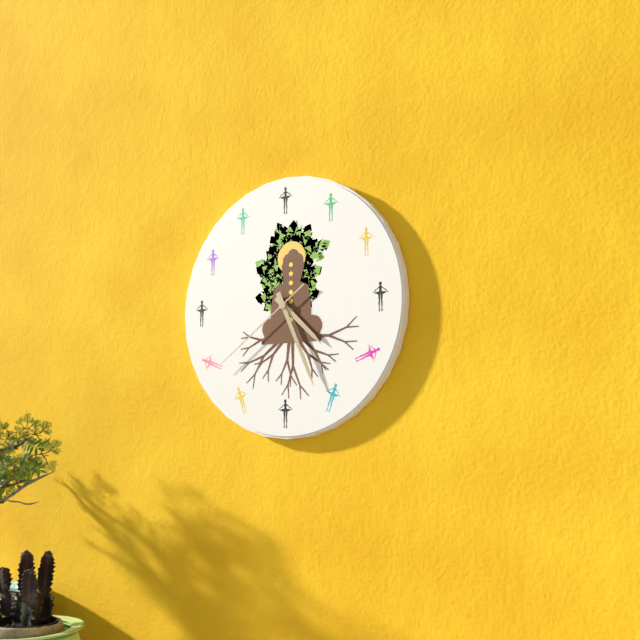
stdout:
4,26,39
